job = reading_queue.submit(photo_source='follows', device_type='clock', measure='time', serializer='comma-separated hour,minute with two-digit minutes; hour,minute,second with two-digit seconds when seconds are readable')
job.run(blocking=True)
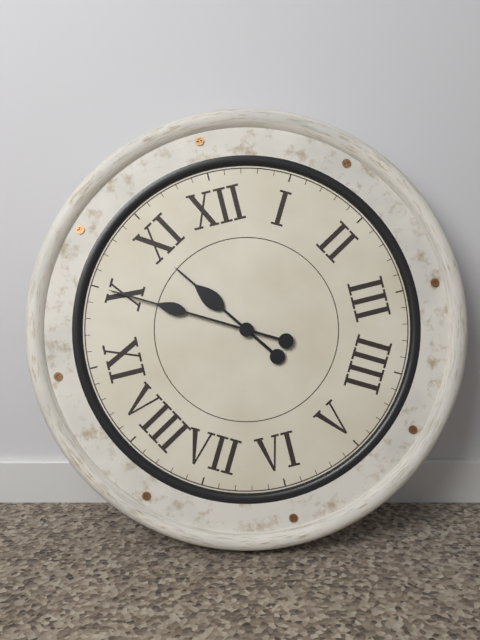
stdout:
10,50
